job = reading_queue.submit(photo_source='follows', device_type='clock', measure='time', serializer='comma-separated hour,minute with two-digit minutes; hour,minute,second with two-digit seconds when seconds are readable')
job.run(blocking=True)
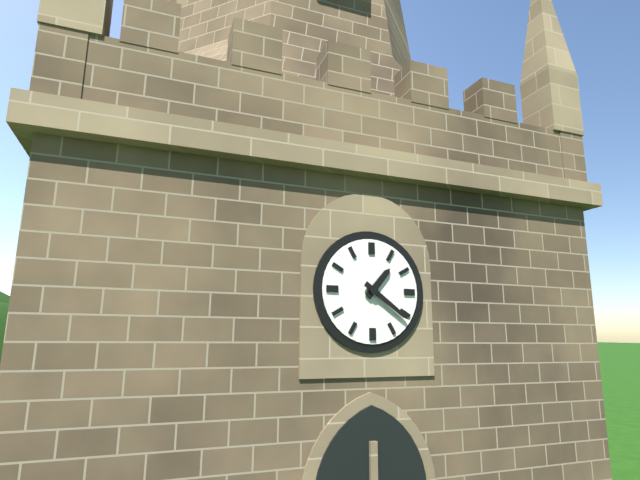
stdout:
1,21
